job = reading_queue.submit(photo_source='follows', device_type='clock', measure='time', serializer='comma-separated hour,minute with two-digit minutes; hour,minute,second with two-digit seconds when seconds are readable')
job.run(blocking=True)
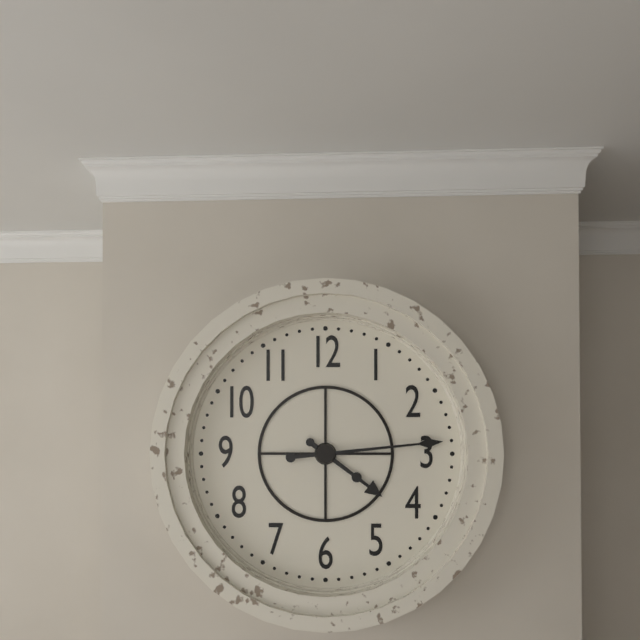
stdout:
4,14
